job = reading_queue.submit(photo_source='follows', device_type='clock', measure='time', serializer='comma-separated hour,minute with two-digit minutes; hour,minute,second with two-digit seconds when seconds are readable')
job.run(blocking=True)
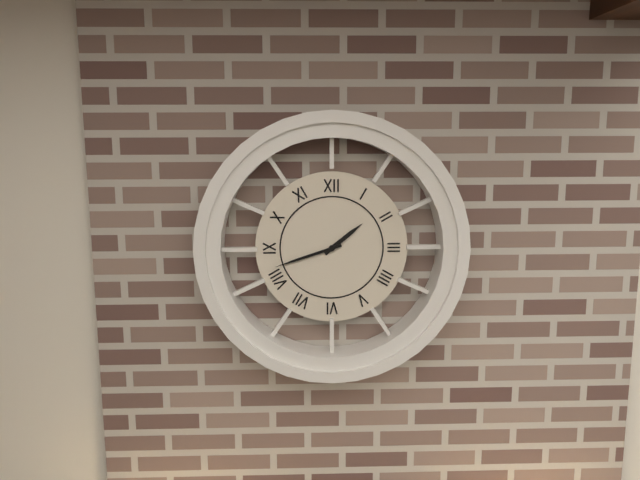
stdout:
1,42
